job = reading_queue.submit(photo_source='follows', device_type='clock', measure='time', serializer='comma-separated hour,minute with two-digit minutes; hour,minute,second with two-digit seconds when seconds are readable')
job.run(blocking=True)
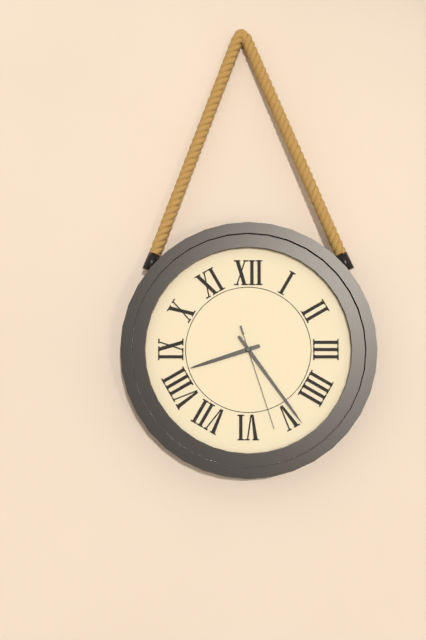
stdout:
8,24,27
